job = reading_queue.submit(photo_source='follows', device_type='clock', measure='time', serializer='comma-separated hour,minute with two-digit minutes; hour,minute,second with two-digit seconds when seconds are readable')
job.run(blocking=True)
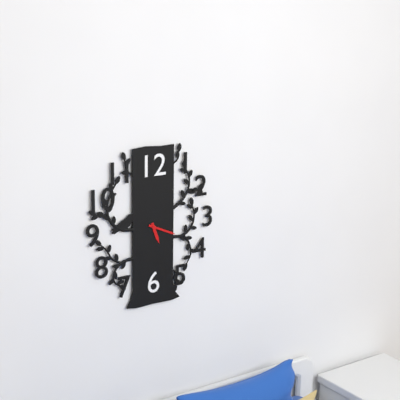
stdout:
5,19
